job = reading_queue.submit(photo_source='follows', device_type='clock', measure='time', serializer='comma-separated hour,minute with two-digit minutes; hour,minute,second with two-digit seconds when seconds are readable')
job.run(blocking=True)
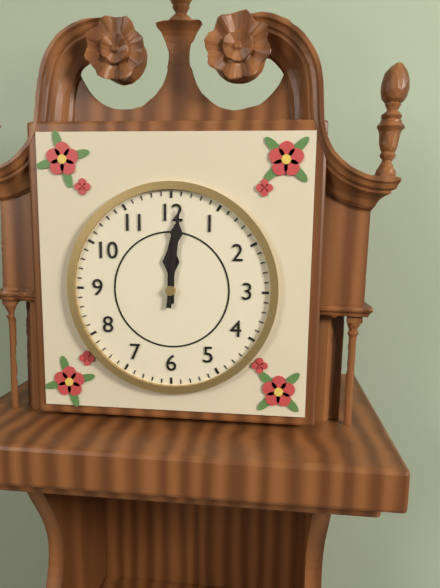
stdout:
12,01
